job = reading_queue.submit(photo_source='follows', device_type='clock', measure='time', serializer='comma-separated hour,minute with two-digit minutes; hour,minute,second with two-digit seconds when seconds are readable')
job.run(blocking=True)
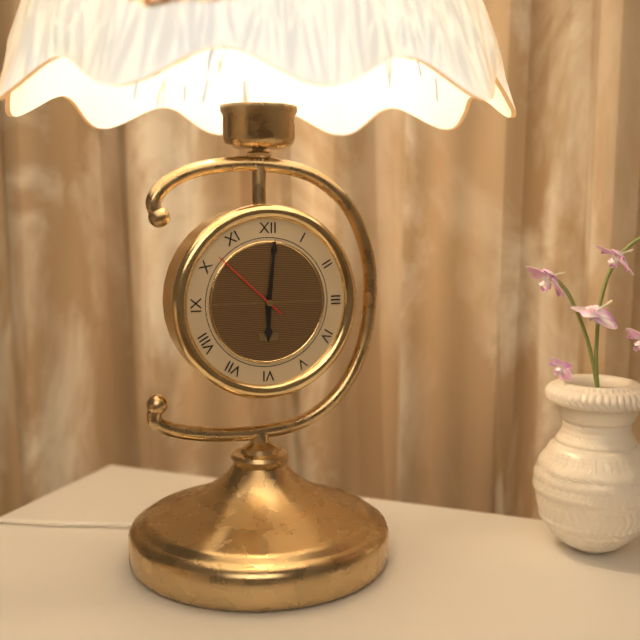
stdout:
6,01,52
